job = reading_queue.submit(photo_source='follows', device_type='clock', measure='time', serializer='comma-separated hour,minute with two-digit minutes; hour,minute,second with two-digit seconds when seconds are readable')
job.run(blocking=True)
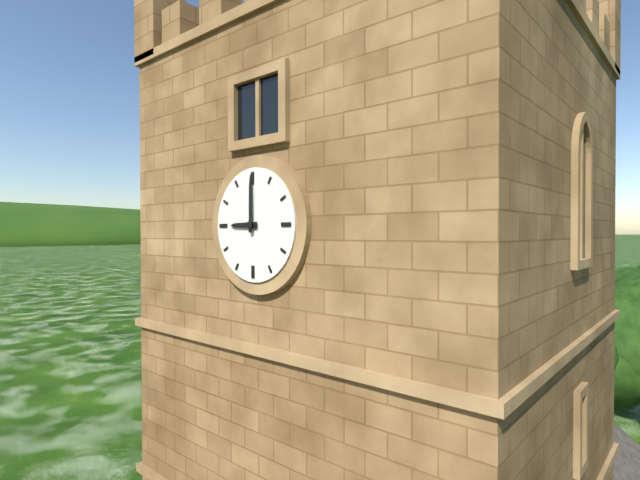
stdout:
9,00
